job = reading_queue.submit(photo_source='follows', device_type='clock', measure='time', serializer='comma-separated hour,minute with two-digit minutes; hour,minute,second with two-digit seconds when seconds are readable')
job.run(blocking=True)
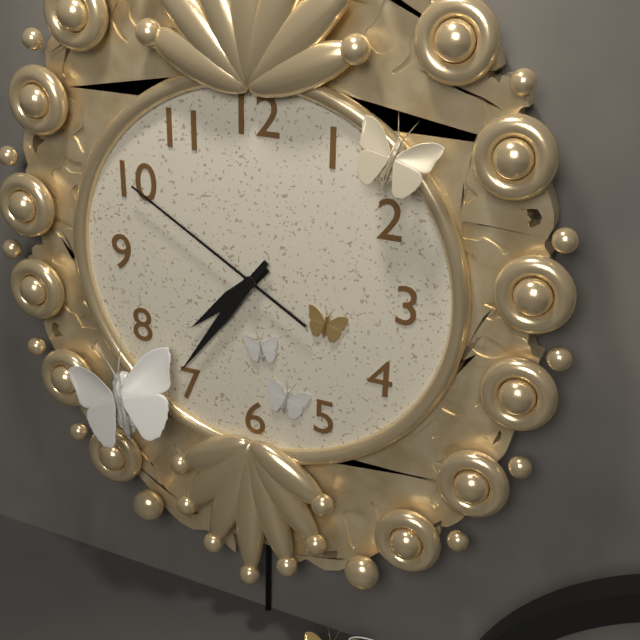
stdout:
7,36,50
